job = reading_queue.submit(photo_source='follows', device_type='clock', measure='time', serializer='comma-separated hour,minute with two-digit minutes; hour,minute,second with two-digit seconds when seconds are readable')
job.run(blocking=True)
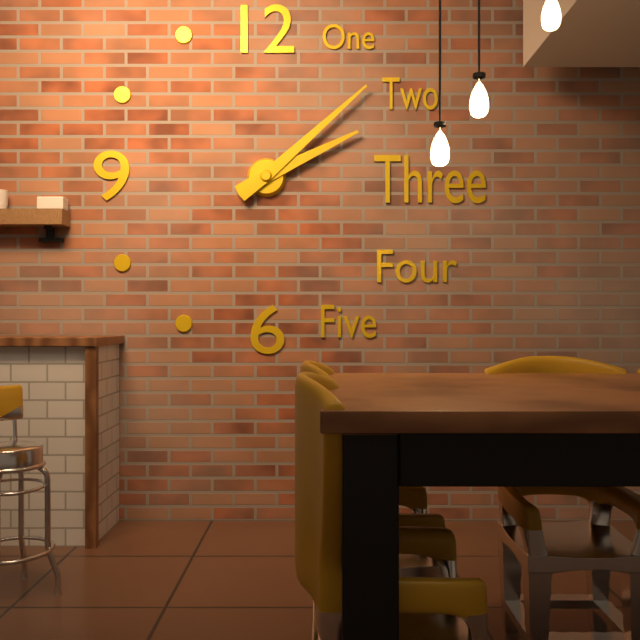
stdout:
2,08
